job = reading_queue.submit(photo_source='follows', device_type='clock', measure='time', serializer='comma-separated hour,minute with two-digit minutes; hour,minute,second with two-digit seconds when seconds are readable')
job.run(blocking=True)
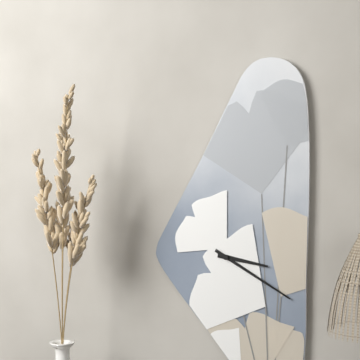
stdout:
3,20
